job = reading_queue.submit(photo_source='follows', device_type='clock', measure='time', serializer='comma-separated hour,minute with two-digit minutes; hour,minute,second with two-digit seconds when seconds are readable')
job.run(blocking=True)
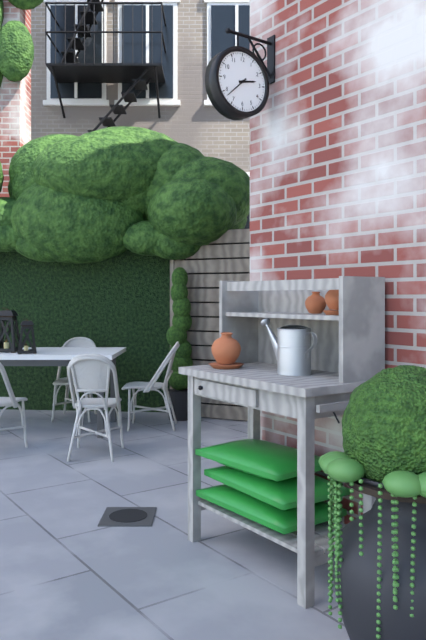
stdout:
2,38
